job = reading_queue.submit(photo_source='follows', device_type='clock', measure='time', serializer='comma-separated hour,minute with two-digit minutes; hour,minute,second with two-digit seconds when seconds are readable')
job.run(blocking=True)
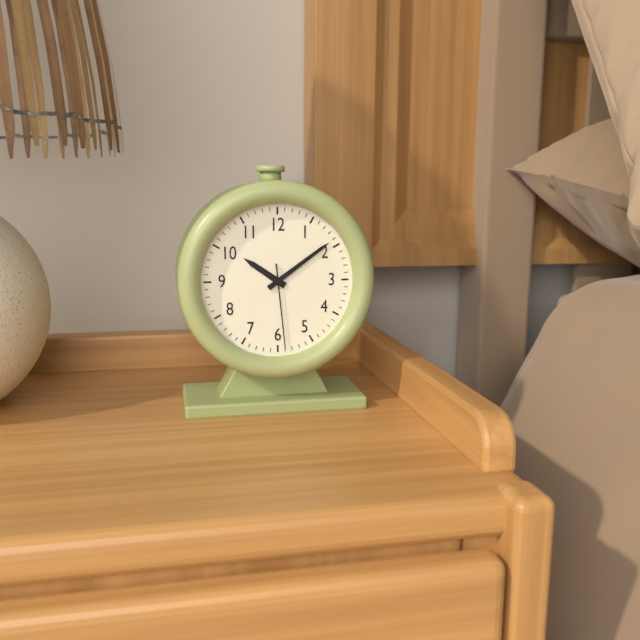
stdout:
10,09,29
